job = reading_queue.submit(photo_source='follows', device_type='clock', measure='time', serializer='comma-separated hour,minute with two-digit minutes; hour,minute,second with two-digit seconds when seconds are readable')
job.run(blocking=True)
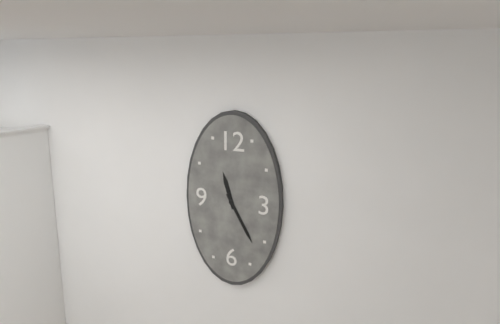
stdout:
11,25
